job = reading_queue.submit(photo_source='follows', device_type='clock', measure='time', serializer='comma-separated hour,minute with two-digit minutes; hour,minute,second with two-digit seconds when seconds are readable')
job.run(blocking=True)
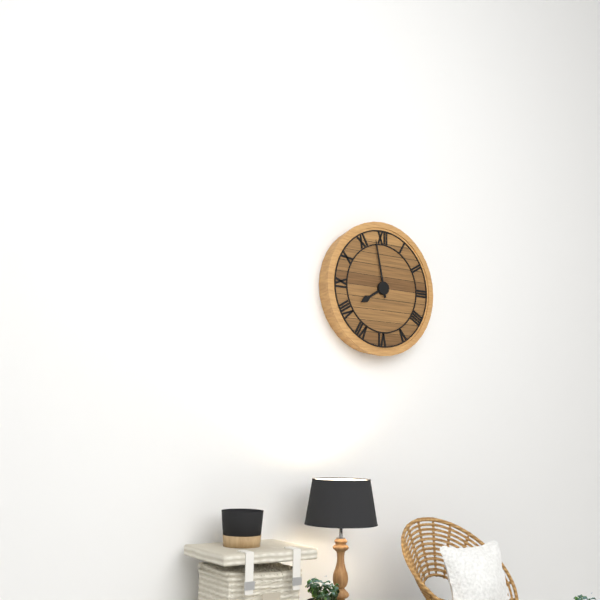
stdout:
7,58
